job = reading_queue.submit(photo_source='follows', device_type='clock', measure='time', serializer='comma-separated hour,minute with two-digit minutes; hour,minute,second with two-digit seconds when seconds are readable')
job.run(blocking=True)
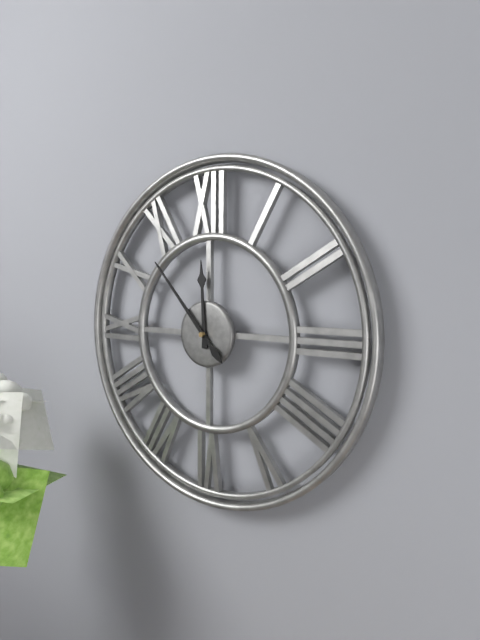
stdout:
11,53
